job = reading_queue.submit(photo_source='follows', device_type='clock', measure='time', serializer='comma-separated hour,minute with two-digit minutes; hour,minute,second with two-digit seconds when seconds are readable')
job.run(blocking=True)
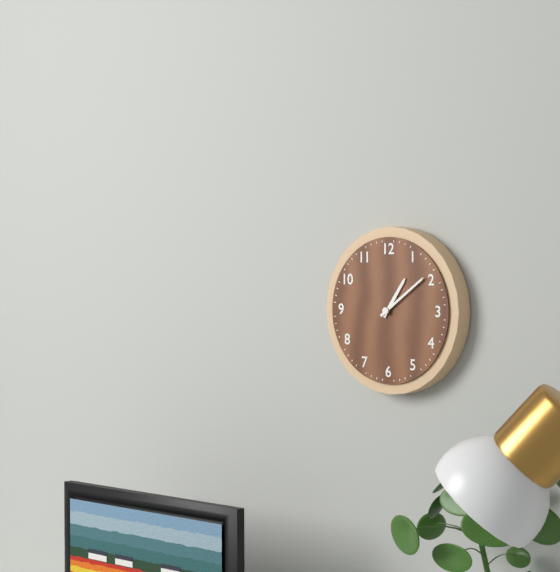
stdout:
1,09
